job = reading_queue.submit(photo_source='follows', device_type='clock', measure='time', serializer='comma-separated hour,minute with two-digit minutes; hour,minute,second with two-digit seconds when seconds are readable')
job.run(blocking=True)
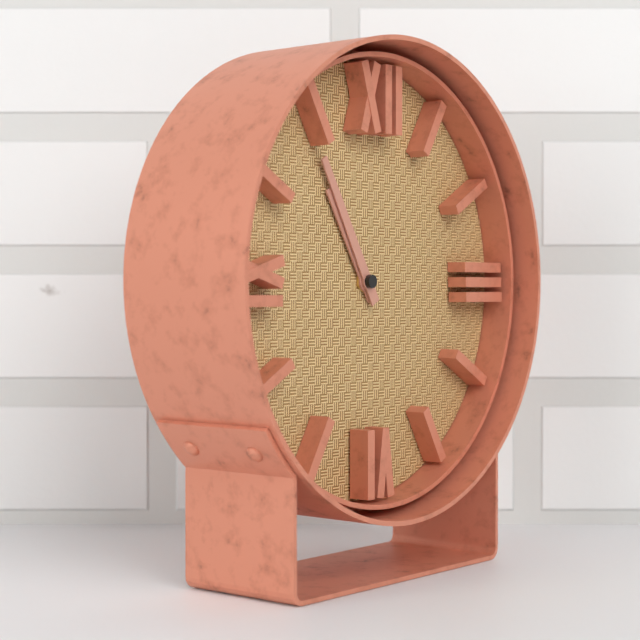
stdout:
10,55
